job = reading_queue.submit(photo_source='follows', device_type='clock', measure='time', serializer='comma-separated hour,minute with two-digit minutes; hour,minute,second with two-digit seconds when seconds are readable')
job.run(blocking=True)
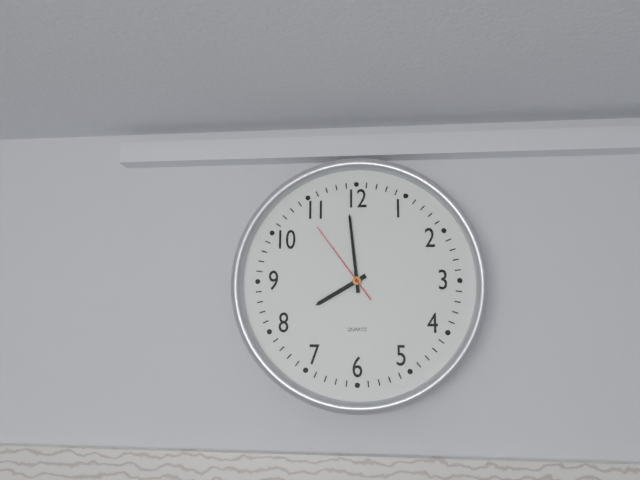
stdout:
7,59,54
